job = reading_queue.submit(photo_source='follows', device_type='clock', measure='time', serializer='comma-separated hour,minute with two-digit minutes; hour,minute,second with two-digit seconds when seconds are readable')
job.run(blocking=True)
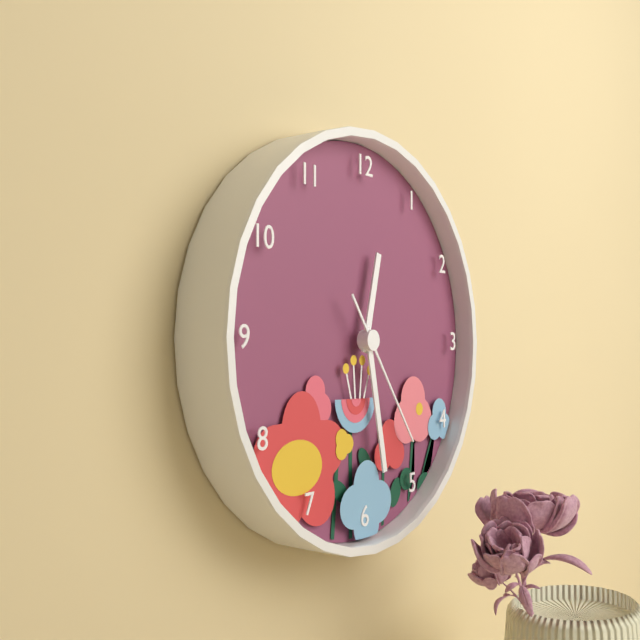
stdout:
12,28,24
